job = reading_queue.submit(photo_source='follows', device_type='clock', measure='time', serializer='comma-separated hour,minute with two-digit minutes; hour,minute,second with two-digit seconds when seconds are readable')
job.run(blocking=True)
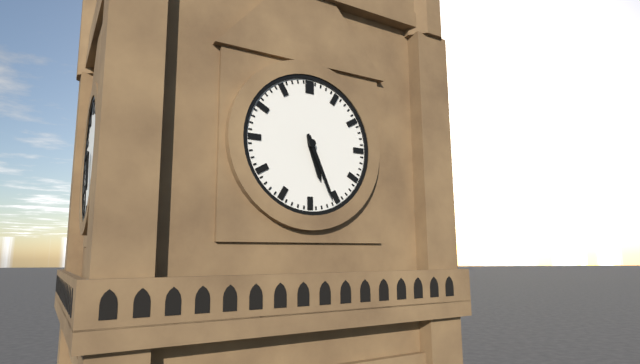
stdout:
5,26
